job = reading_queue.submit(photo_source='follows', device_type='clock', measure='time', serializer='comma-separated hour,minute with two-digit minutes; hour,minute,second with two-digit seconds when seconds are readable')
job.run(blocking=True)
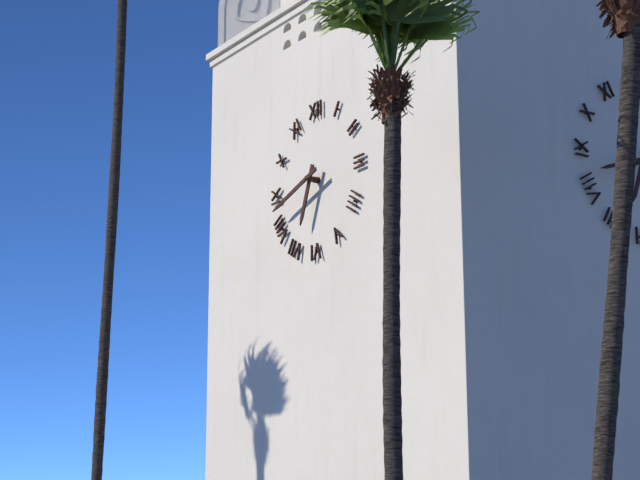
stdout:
6,42
